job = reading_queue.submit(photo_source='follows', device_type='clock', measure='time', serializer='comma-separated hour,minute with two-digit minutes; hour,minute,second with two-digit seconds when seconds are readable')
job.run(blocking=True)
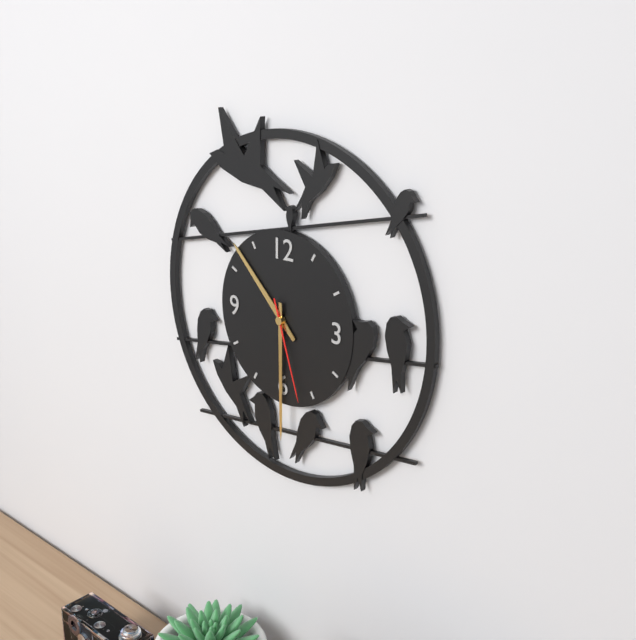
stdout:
10,30,27
